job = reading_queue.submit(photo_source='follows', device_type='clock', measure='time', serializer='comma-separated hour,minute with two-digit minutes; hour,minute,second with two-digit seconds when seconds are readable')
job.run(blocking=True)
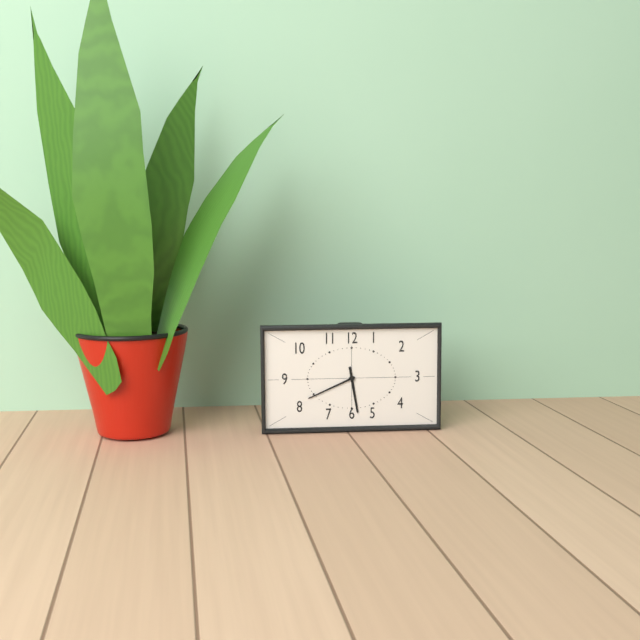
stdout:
5,41
